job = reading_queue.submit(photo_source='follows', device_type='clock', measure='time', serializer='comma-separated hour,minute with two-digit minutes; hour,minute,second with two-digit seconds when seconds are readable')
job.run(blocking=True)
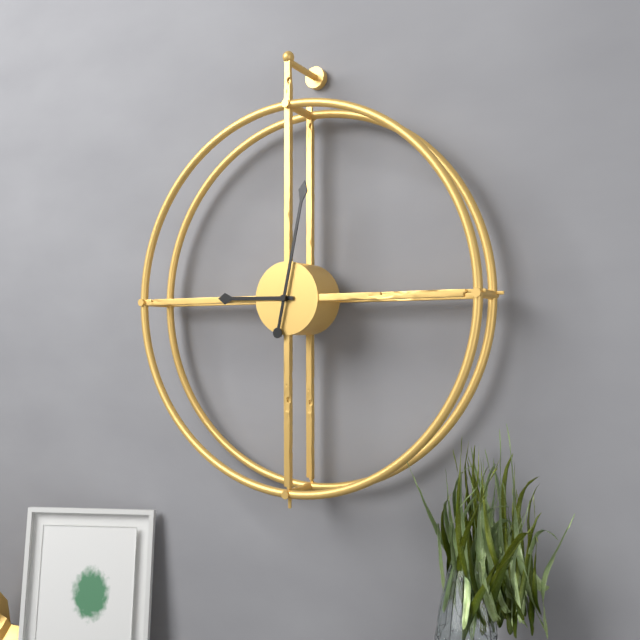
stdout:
9,02
